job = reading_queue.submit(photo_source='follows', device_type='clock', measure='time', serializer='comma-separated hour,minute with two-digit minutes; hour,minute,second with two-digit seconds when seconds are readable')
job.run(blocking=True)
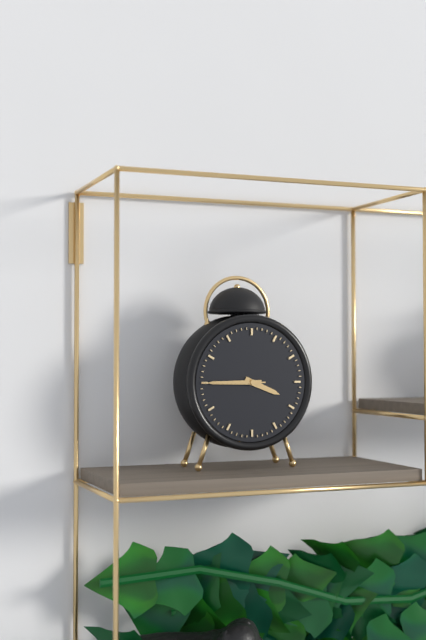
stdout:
3,45,45
